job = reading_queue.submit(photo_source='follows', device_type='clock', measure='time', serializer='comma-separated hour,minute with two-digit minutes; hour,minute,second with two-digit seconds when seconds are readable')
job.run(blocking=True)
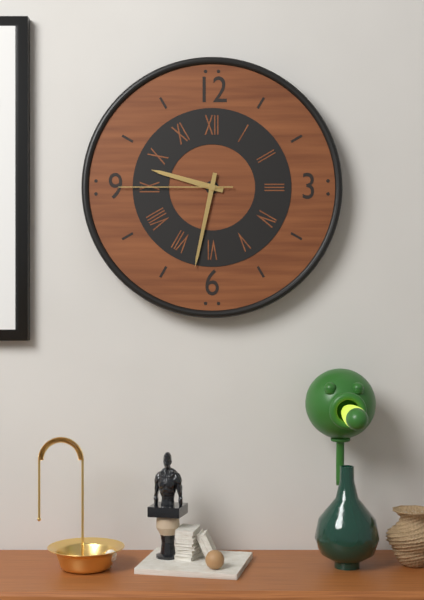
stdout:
9,32,45
